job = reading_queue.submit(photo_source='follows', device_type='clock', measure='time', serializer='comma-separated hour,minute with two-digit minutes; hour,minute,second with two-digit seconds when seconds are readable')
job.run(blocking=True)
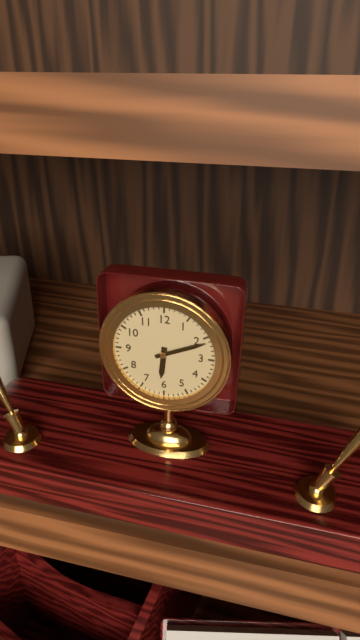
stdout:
6,11
